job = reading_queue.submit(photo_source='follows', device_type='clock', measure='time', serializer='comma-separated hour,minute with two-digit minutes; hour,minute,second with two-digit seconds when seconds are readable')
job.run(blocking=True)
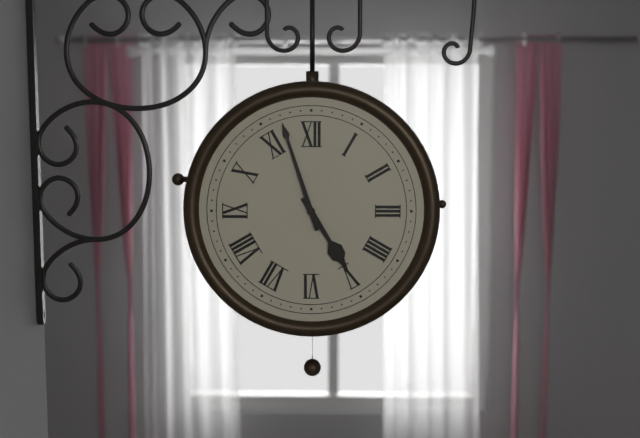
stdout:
4,57
